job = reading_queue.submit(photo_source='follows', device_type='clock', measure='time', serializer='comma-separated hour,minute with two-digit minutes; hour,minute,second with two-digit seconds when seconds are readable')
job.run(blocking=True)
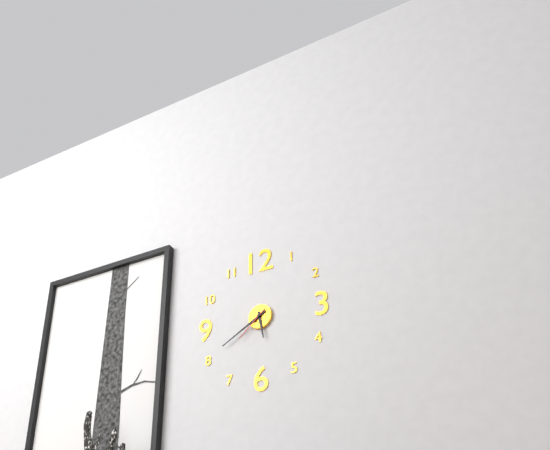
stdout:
5,40
